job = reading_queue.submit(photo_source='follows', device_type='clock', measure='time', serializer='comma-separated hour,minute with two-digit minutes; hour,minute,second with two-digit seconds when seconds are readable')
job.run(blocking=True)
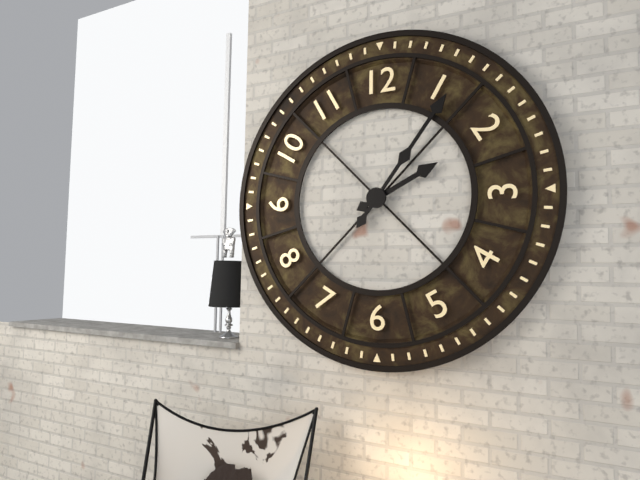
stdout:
2,06
